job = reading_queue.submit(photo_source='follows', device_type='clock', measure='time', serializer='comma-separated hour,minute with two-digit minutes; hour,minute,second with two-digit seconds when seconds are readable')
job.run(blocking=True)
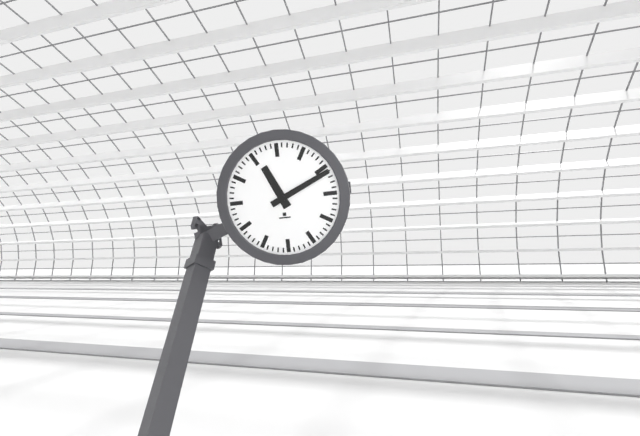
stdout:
11,11
